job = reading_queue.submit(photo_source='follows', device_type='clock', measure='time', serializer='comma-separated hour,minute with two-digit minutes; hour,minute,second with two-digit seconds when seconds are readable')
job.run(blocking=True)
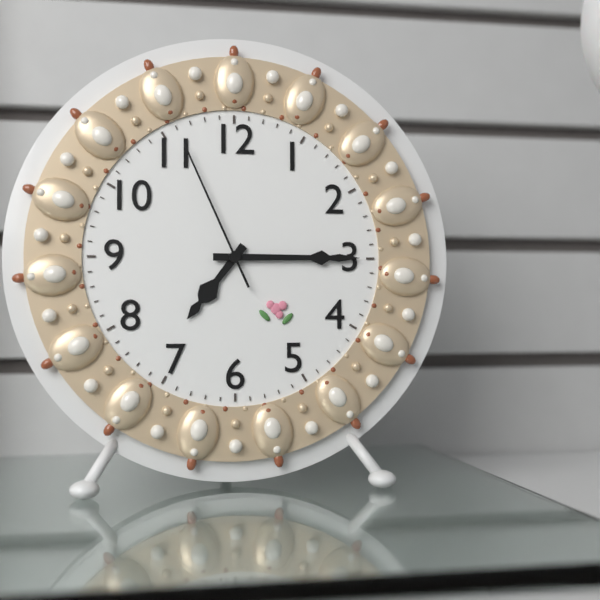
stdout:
7,15,56
